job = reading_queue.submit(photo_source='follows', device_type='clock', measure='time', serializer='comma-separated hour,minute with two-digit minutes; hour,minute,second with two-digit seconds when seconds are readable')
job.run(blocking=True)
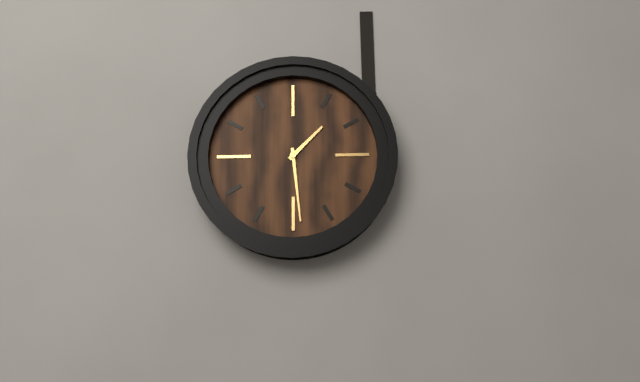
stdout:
1,29
